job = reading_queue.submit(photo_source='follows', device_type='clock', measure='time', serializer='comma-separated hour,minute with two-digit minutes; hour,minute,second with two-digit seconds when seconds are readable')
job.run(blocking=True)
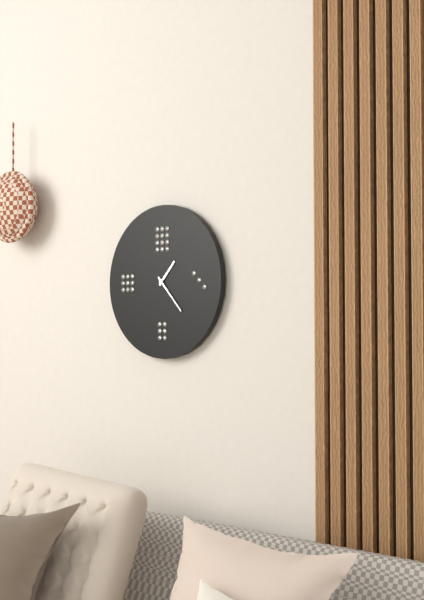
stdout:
1,23
